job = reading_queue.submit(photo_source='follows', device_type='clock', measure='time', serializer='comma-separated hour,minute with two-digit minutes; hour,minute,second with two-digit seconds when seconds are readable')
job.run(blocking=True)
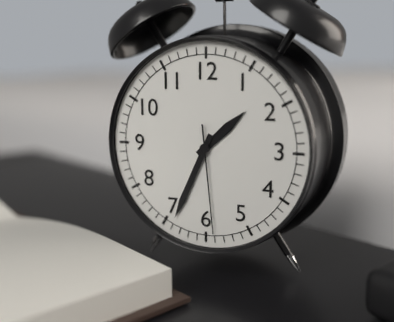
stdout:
1,34,29
